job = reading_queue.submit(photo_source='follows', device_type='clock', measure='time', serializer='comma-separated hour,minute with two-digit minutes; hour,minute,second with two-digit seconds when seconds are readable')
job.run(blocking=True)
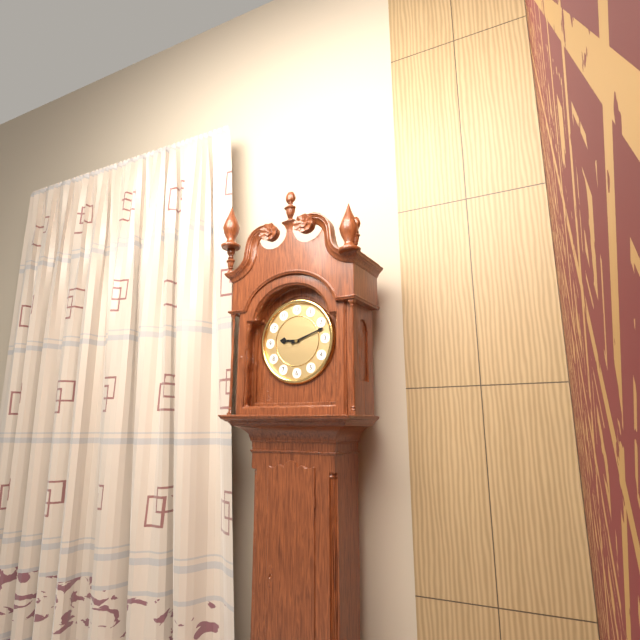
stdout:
9,12
